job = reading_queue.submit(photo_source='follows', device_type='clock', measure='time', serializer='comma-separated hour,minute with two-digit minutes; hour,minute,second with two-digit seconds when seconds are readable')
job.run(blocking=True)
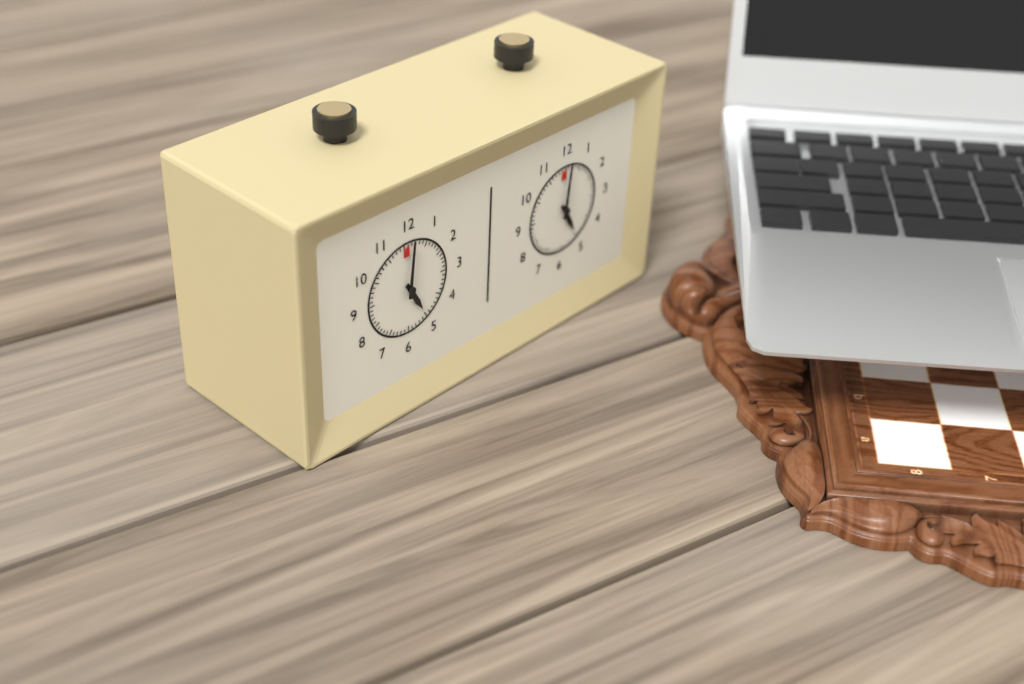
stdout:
5,01
